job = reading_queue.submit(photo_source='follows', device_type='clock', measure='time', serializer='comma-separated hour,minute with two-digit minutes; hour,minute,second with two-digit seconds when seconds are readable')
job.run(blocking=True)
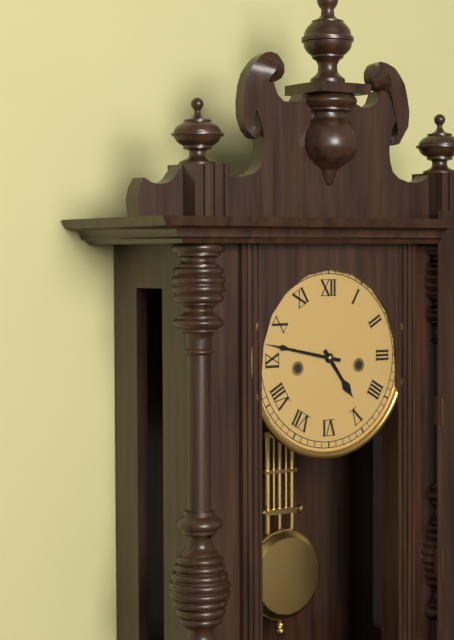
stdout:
4,47
